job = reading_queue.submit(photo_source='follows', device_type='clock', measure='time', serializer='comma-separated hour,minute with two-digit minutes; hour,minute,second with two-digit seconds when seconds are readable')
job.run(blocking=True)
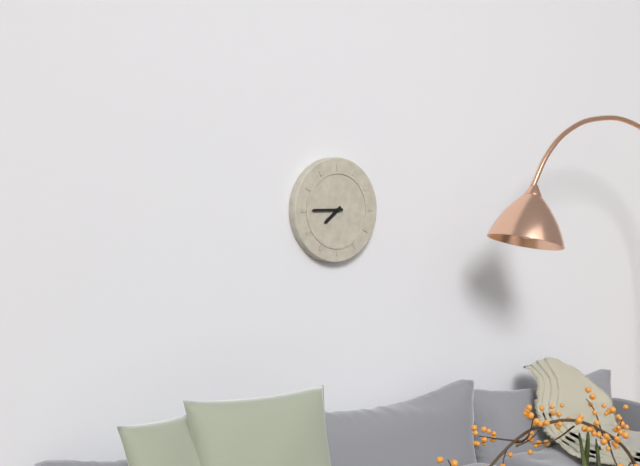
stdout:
7,45
